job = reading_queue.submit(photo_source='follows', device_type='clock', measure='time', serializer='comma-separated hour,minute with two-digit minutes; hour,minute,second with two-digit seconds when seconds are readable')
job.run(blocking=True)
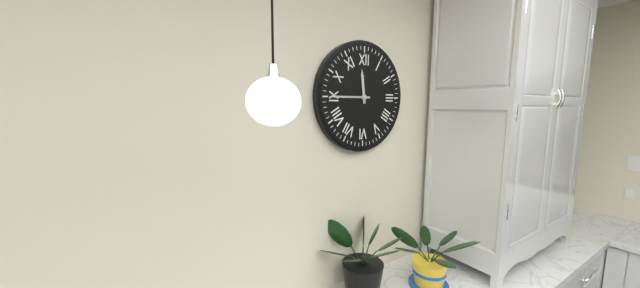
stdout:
11,45
